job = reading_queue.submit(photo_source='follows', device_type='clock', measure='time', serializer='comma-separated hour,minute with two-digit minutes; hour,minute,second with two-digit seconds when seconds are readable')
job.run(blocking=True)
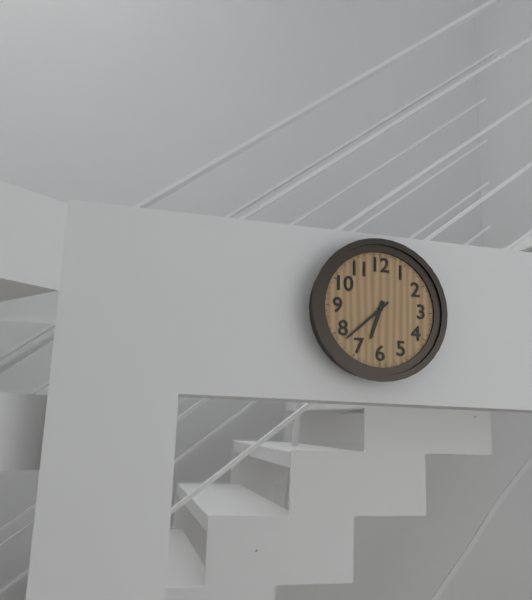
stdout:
6,38
